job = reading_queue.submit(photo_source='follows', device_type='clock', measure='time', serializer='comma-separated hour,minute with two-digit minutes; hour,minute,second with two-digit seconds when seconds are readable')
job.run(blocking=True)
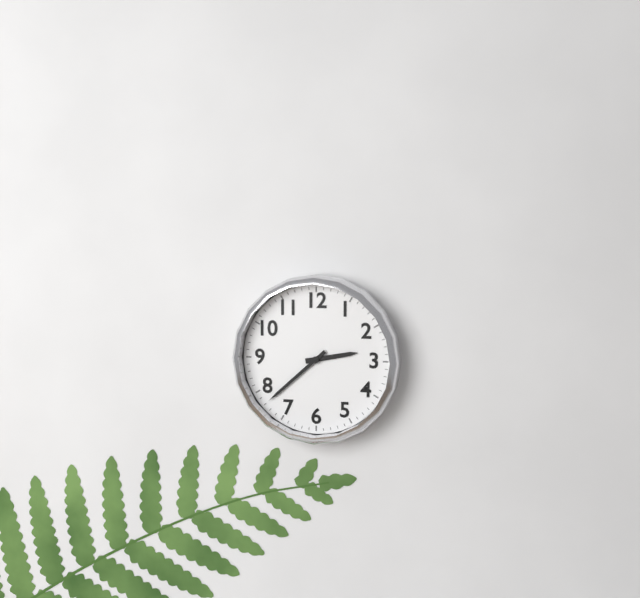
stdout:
2,38
